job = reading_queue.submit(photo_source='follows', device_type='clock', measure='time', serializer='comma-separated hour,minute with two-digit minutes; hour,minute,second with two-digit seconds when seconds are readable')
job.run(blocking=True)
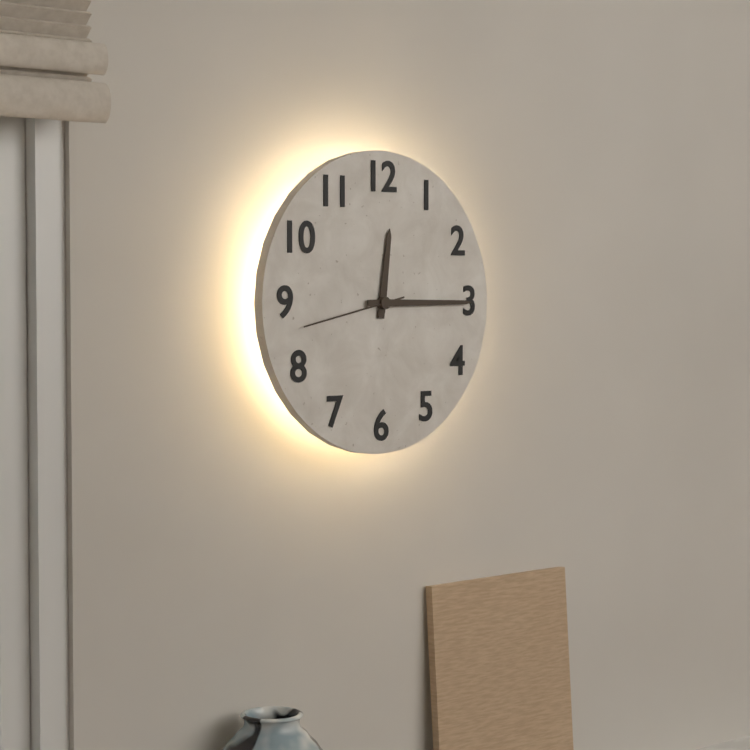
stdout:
12,15,43
